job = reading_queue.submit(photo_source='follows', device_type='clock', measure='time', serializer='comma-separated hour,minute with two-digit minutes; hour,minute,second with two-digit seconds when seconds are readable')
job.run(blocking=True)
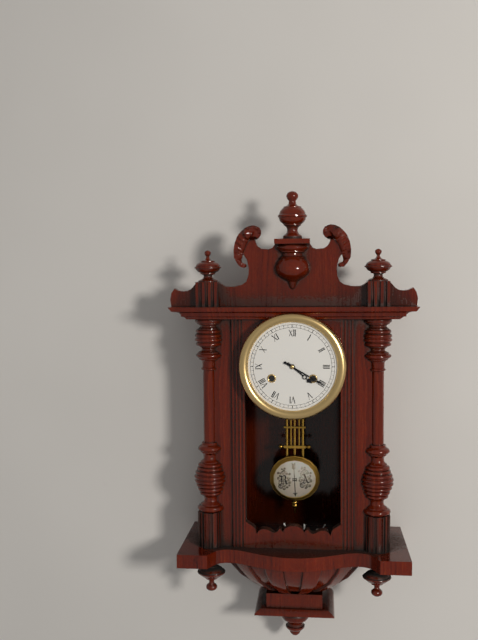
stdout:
4,20
